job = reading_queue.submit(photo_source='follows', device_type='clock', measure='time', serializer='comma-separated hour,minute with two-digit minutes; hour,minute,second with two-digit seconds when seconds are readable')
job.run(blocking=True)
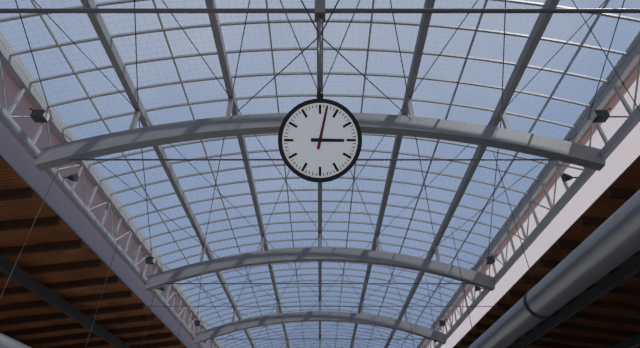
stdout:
3,02
